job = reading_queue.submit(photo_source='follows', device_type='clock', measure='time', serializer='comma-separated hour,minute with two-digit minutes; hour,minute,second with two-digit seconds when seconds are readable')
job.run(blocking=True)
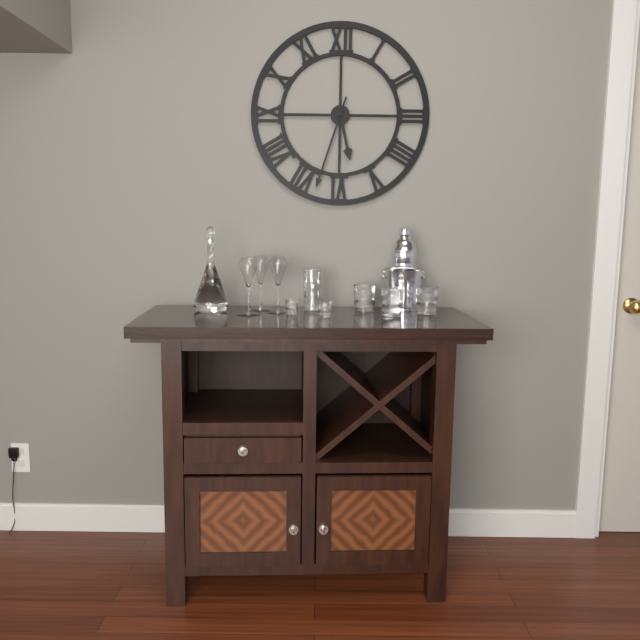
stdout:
5,33
